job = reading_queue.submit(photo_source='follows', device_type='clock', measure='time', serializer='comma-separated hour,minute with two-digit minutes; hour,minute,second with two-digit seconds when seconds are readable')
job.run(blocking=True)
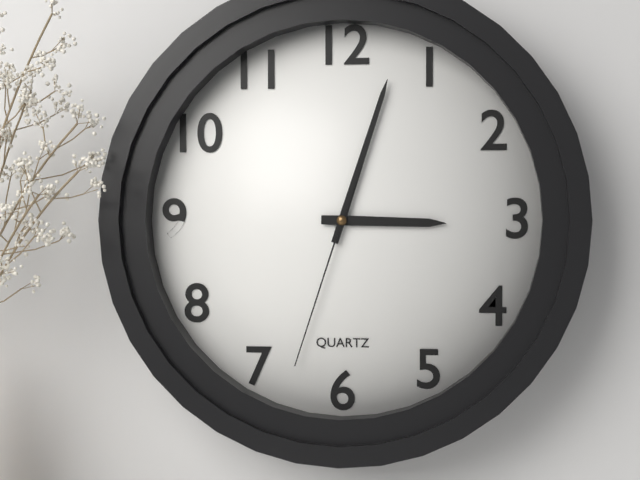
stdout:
3,03,33
